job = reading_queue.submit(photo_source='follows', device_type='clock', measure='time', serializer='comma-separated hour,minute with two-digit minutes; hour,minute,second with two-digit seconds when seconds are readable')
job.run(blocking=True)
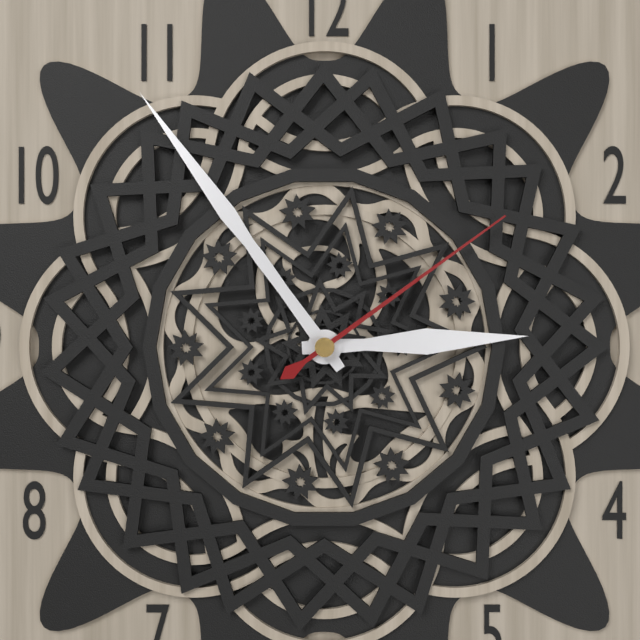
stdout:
2,54,09
